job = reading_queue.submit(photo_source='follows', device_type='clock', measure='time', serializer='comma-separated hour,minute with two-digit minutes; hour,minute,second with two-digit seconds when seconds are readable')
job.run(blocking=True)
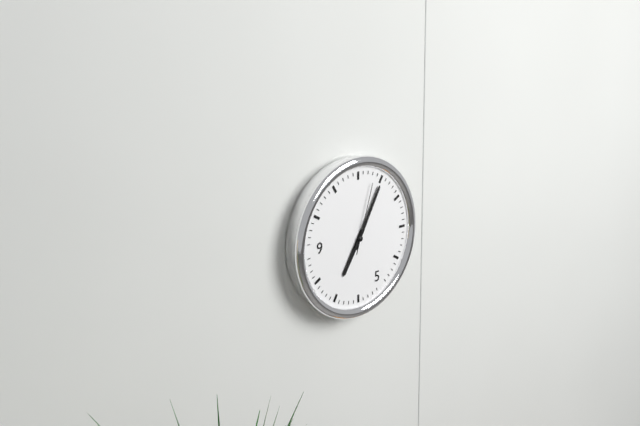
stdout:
7,05,03
